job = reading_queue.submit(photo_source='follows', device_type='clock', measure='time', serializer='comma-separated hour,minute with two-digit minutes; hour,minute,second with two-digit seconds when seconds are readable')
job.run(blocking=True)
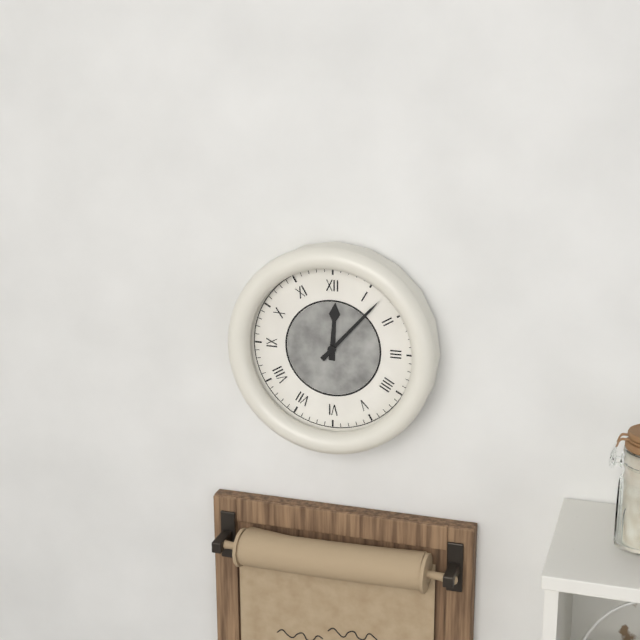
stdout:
12,07
